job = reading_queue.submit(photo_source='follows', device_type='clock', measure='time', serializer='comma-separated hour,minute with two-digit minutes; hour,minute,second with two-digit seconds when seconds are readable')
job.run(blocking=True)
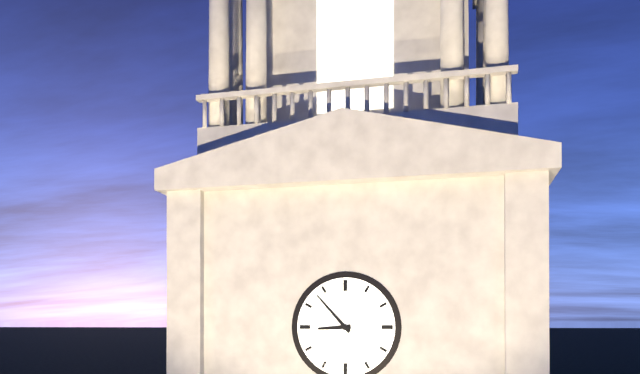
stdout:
8,53
